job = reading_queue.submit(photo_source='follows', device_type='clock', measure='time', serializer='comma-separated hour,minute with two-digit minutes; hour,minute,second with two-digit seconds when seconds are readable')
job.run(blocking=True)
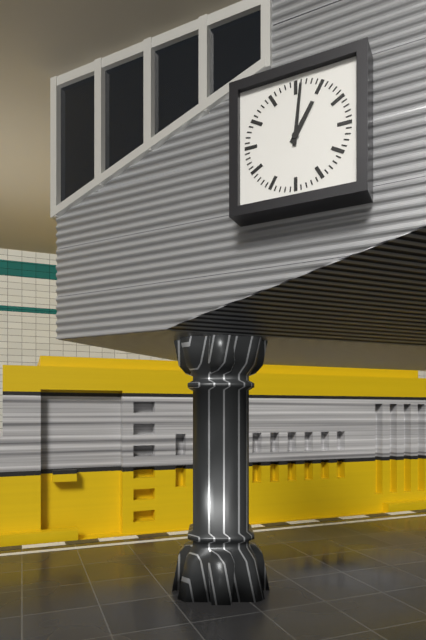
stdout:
1,01
